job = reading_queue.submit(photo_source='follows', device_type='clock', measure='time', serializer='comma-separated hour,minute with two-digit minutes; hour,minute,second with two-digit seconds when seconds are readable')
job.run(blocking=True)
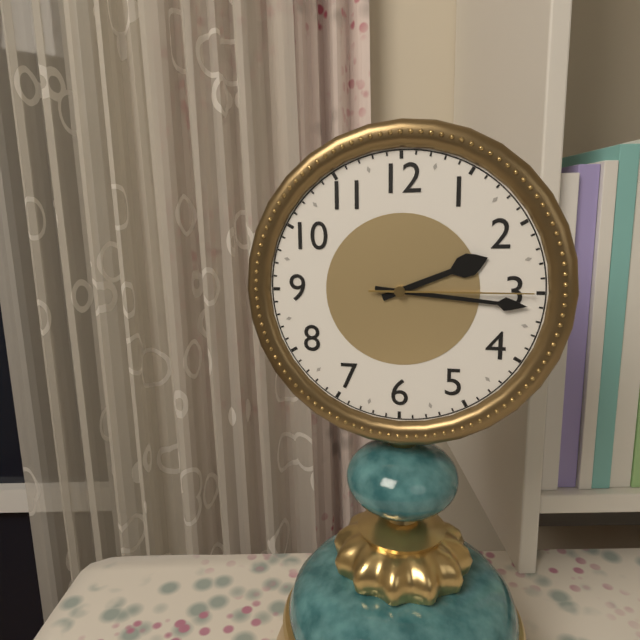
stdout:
2,16,15
